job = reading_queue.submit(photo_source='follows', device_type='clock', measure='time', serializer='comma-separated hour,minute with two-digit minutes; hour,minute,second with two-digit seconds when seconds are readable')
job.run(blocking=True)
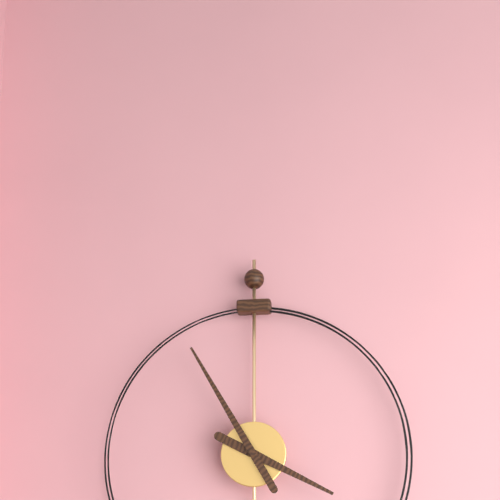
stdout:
3,55
